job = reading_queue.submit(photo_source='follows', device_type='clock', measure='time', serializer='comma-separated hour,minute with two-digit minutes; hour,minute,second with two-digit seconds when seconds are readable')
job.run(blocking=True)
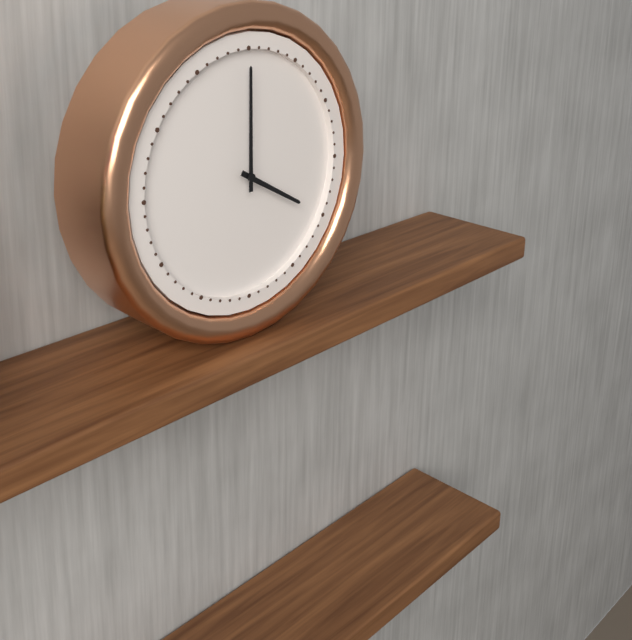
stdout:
4,00
